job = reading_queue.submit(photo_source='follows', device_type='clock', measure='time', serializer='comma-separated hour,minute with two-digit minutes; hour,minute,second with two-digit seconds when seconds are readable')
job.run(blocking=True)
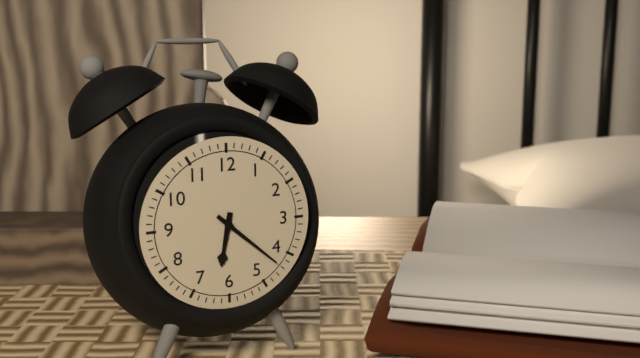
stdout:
6,22
